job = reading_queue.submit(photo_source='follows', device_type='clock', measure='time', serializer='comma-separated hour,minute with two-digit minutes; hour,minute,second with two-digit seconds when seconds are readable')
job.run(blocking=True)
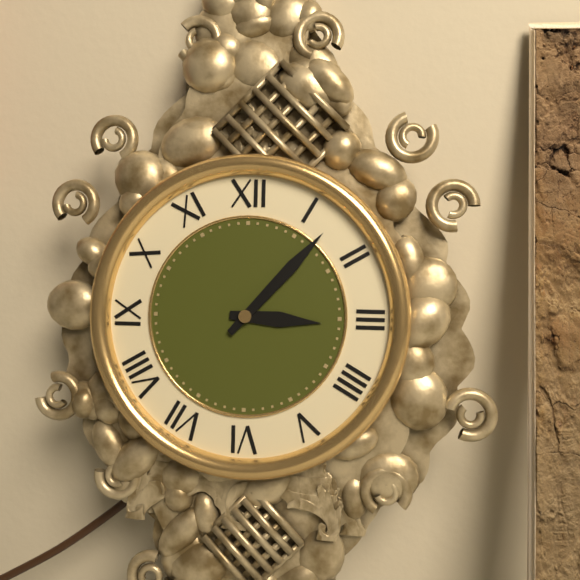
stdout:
3,07
